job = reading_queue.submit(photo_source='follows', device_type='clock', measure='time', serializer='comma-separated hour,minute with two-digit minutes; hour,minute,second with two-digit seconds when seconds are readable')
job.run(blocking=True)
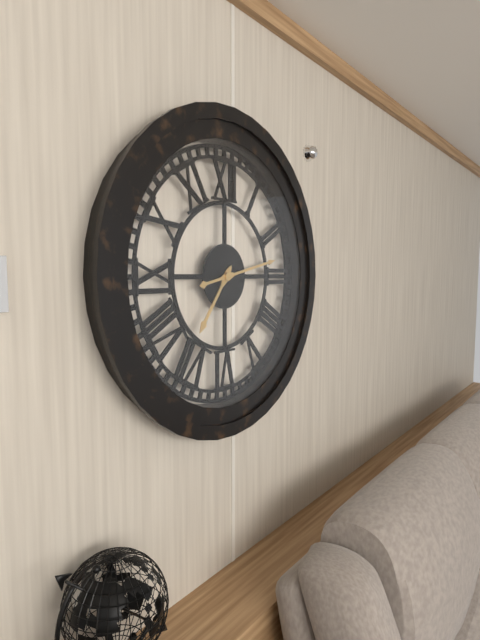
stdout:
7,13
